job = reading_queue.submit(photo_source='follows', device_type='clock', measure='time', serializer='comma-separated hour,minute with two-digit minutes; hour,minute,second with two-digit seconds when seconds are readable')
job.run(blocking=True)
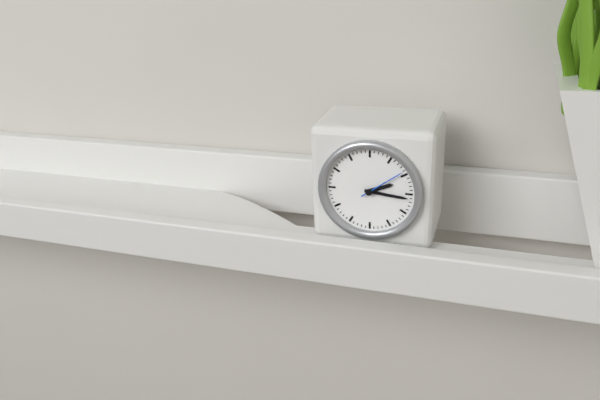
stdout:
2,16
